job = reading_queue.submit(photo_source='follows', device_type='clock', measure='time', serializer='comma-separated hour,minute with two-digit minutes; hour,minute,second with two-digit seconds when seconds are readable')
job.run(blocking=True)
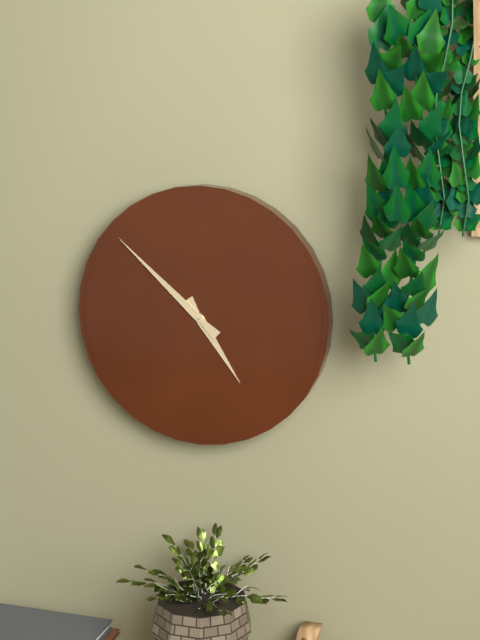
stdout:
4,52
